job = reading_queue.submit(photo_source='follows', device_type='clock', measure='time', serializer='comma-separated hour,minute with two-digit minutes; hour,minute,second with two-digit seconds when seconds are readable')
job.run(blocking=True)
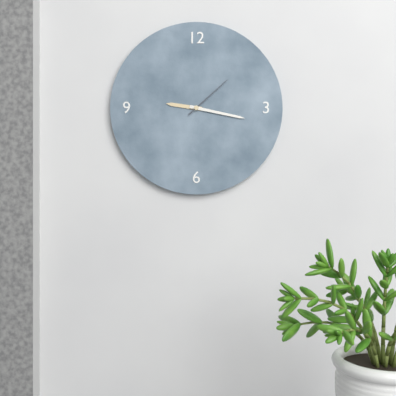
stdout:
9,17,08
